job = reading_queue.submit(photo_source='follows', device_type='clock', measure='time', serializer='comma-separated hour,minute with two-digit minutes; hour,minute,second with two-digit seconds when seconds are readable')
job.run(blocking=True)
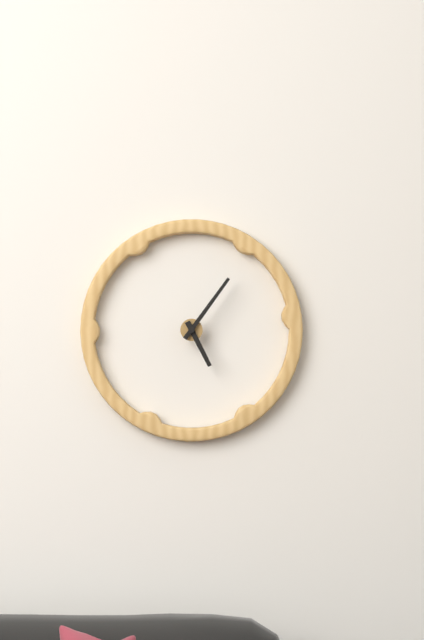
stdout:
5,06
